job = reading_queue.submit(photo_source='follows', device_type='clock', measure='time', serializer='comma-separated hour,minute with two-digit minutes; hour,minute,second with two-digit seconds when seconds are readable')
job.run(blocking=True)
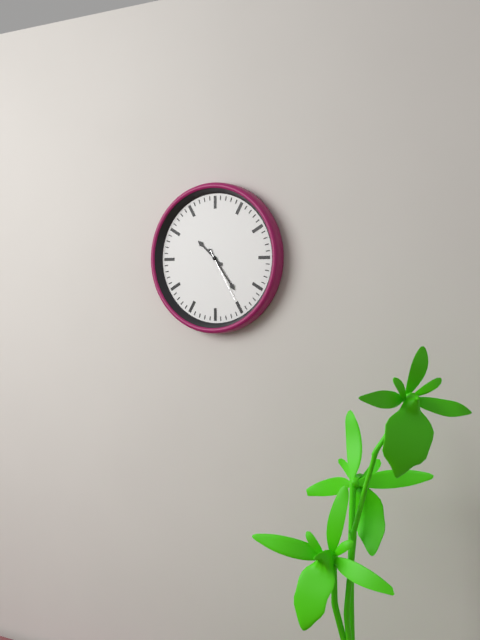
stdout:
10,24,25
